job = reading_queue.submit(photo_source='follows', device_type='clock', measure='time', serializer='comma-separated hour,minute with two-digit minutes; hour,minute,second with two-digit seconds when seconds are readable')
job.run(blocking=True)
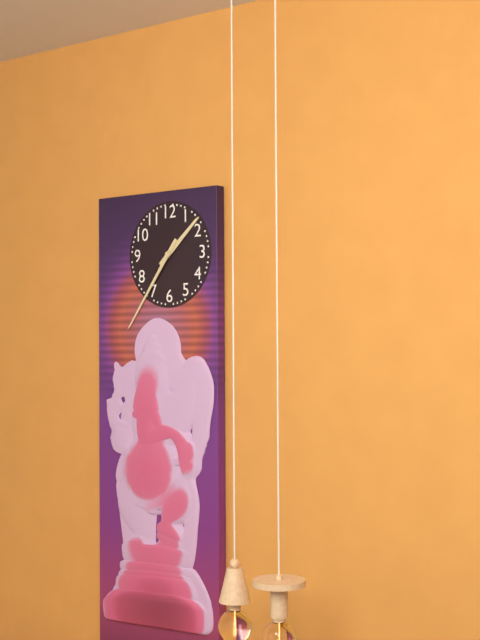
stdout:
1,36
